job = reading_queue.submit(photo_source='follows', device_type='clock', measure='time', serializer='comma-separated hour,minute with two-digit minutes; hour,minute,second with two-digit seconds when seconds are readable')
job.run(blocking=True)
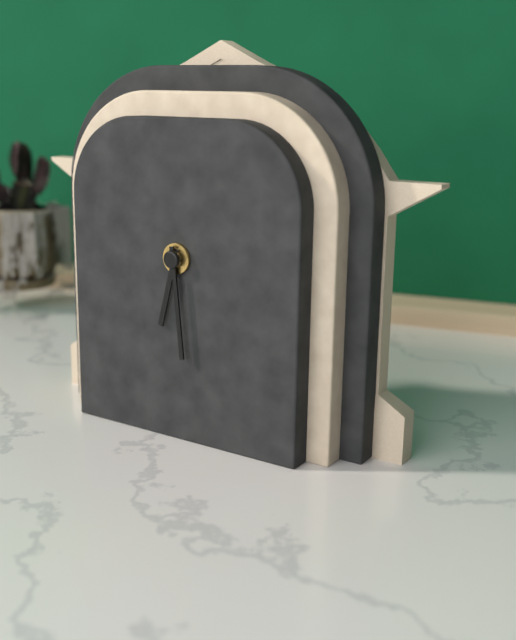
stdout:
6,29
